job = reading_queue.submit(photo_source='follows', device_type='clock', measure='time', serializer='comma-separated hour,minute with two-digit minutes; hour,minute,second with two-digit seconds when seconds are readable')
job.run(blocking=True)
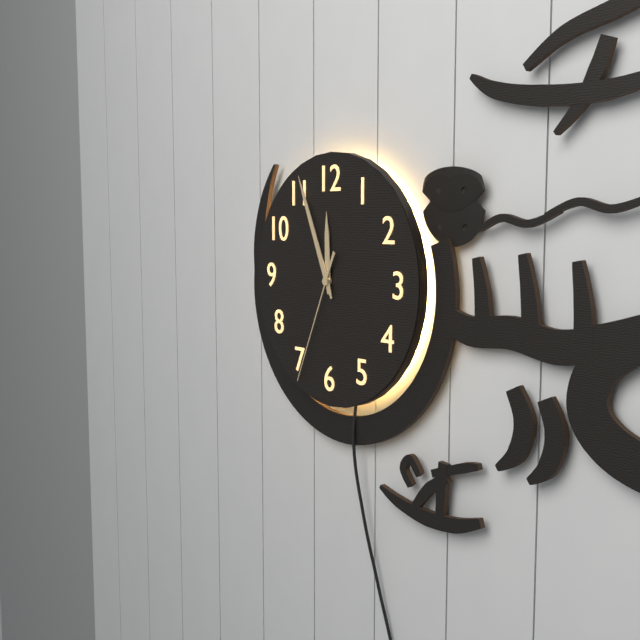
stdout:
11,56,34
